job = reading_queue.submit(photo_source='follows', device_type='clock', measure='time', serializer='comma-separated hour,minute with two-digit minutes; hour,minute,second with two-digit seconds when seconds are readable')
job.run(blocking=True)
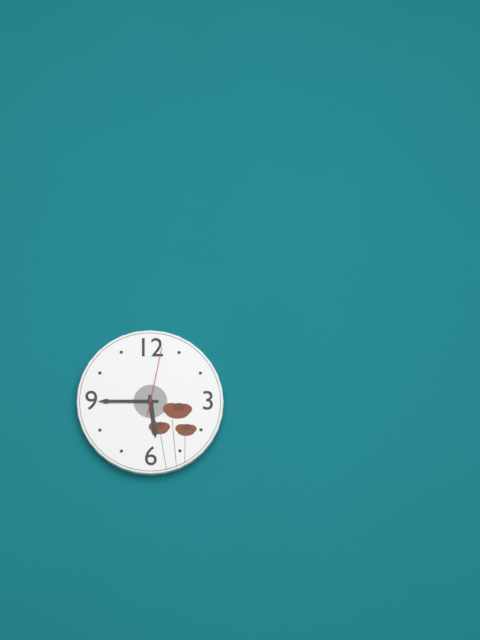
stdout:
5,45,02
